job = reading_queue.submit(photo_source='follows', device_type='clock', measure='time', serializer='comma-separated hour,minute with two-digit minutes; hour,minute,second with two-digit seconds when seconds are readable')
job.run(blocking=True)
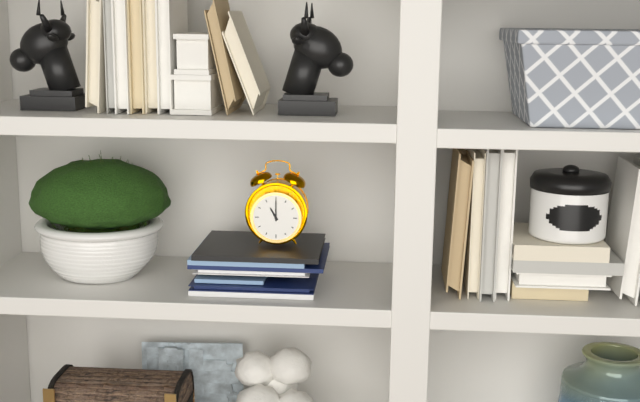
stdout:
11,00
